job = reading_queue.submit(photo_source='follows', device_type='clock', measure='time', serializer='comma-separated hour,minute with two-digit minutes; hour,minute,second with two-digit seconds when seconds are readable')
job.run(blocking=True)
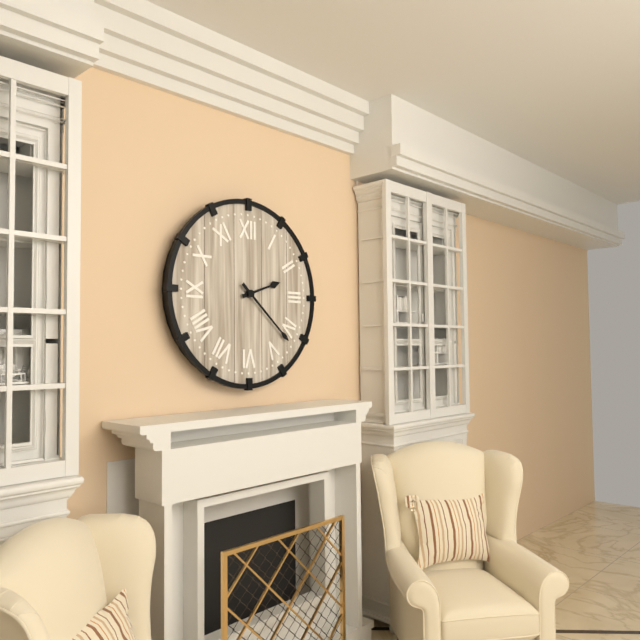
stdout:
2,22
